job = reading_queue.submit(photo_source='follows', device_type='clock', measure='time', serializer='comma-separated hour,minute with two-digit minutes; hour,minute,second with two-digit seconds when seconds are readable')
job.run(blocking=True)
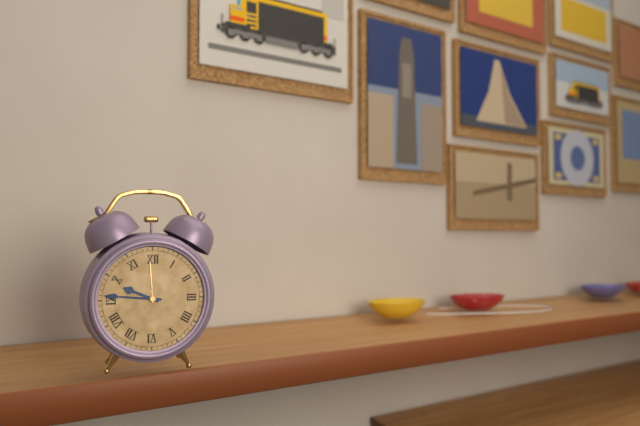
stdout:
9,46
